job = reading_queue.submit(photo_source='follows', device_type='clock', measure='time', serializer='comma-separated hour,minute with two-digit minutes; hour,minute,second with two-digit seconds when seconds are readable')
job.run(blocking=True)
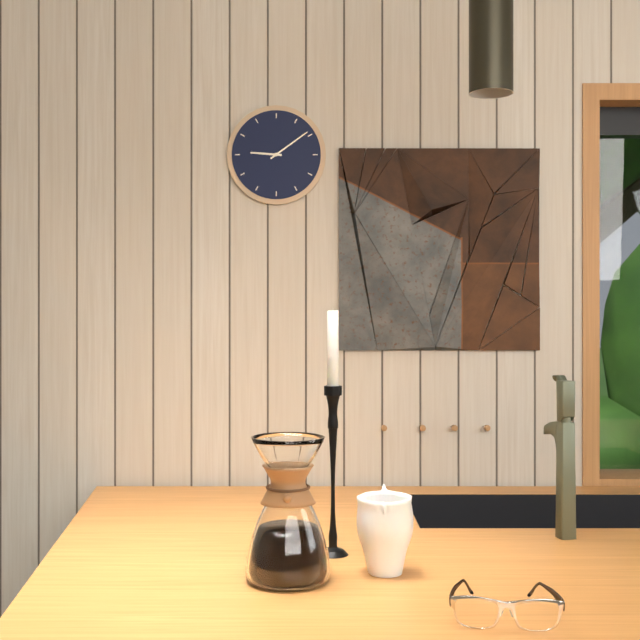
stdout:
9,09
